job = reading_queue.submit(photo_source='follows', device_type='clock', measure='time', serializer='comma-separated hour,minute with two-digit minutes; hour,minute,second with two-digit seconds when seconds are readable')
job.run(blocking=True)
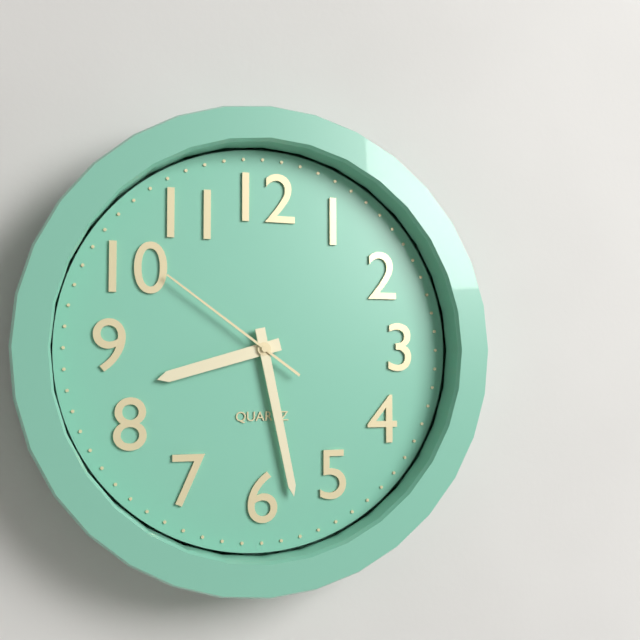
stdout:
8,28,51
